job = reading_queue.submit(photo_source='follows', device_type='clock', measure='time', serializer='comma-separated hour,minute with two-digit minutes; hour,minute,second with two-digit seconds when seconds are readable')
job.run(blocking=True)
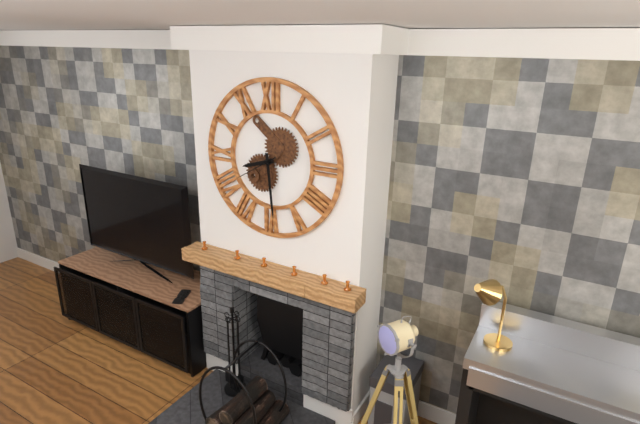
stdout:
8,29
